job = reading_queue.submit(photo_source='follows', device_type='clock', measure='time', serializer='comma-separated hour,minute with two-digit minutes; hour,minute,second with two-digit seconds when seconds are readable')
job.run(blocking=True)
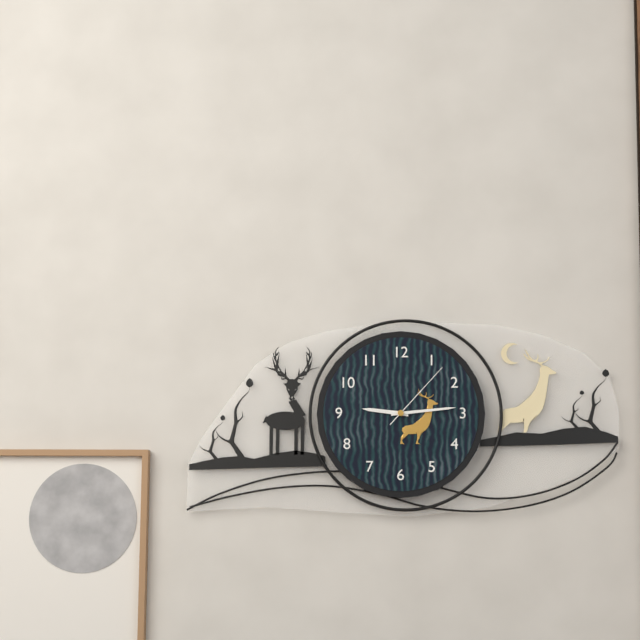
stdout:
9,14,07
